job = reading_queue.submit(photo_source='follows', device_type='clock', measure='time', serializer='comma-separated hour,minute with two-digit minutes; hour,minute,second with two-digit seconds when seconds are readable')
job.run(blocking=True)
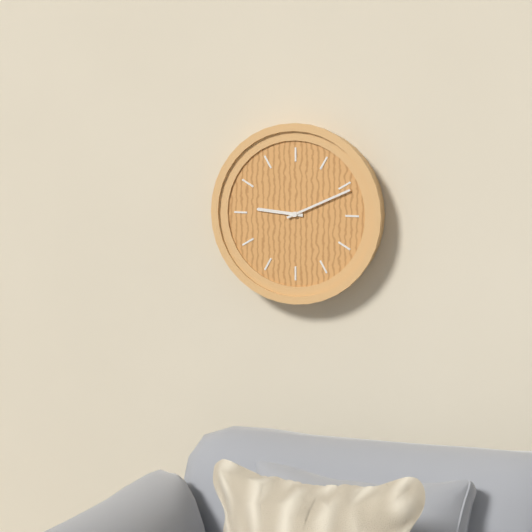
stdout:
9,11
